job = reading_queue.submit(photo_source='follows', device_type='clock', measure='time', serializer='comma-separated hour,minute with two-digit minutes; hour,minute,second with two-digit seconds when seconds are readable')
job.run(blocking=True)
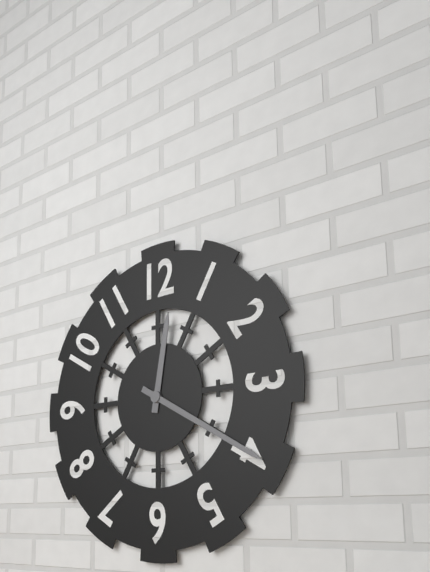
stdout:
12,20
